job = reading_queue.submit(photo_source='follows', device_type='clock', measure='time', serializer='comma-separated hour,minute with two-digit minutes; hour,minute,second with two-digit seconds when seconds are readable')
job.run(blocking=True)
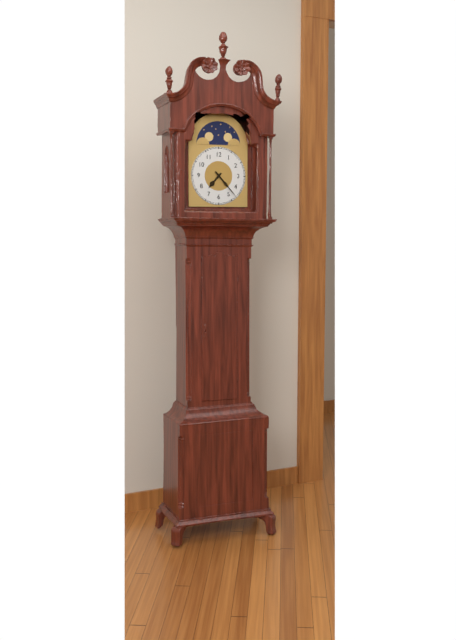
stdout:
7,23
